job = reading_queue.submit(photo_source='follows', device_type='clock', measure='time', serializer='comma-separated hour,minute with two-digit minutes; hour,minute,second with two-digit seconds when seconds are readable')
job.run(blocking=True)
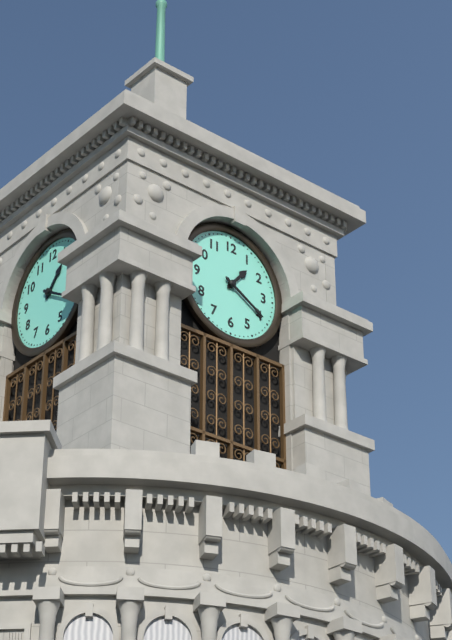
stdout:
1,20
